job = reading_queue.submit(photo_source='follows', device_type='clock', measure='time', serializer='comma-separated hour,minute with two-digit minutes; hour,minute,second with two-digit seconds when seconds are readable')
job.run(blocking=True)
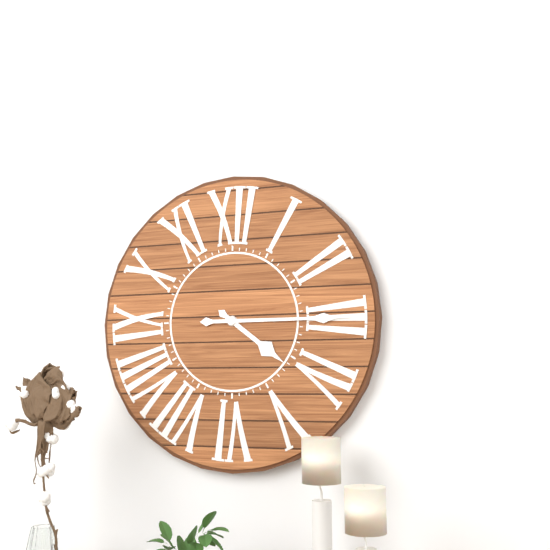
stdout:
4,15
